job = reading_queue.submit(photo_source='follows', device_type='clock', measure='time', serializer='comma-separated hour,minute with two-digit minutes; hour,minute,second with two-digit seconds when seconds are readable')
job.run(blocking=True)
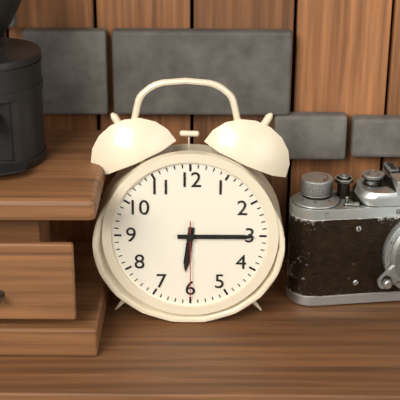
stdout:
6,15,30
